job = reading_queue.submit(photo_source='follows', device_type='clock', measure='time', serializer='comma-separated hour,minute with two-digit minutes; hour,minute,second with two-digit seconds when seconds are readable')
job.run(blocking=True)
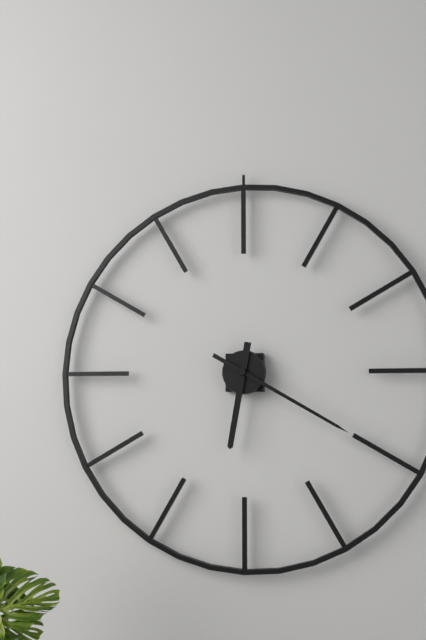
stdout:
6,20
